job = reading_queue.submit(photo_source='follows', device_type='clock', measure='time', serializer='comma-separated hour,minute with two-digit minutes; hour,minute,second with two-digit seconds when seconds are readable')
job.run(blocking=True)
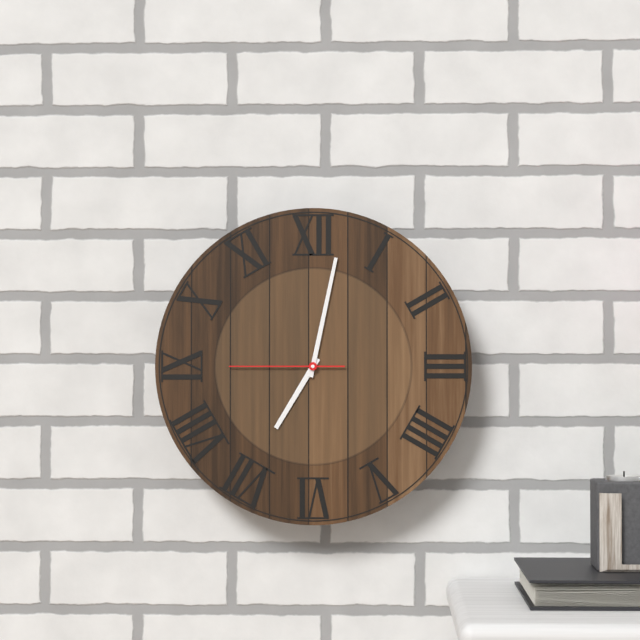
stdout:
7,02,45
